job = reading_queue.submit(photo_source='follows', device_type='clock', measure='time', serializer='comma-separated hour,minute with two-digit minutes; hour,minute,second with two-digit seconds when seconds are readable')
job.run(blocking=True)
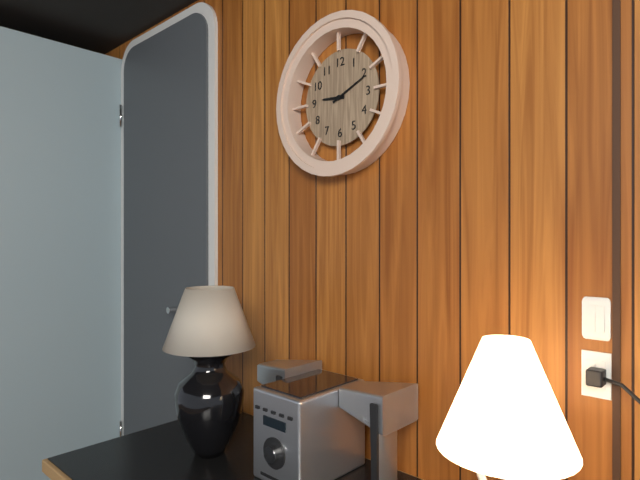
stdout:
9,11
